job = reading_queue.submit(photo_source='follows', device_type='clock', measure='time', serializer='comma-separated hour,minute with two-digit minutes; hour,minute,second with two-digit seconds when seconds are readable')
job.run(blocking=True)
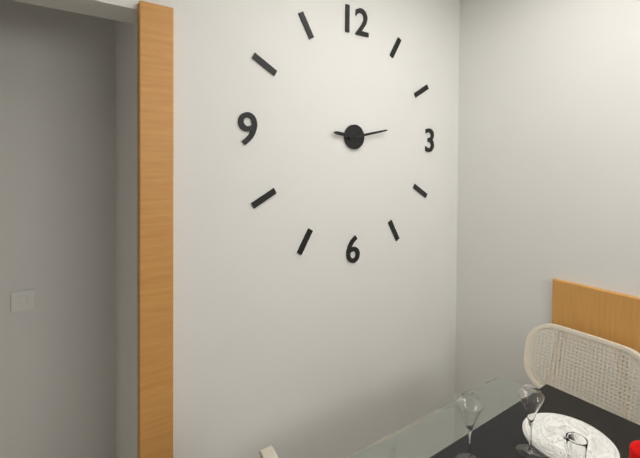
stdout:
9,13
